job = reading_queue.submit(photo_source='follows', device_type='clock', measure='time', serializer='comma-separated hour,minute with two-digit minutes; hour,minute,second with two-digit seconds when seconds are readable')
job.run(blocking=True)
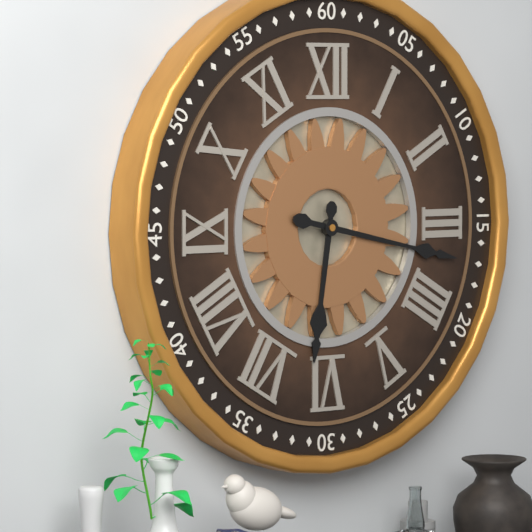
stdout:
6,17
